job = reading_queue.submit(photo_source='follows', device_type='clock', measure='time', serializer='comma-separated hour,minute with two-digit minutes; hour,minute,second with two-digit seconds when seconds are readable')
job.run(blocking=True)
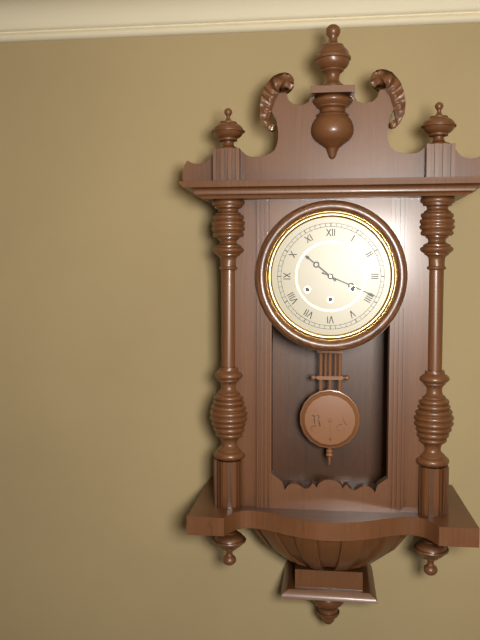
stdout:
10,19
